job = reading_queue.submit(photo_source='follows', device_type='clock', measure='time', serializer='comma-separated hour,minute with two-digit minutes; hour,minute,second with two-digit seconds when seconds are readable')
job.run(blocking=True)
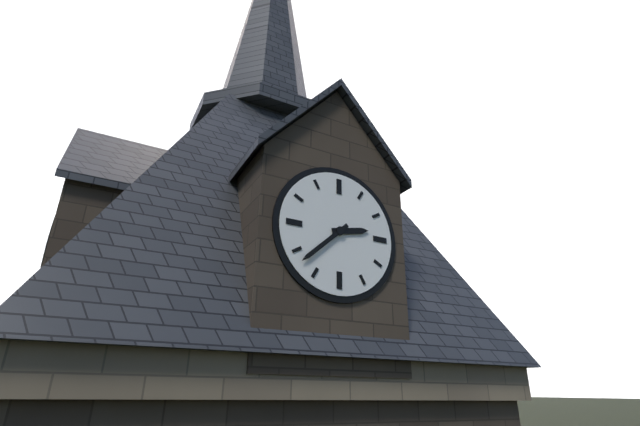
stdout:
2,38
